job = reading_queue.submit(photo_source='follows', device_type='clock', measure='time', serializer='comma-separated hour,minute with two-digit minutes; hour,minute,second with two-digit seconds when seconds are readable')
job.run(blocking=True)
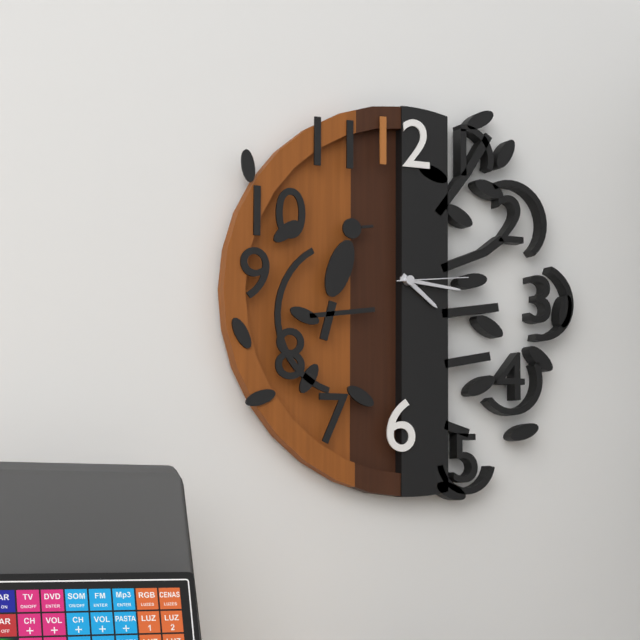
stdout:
4,16,14
